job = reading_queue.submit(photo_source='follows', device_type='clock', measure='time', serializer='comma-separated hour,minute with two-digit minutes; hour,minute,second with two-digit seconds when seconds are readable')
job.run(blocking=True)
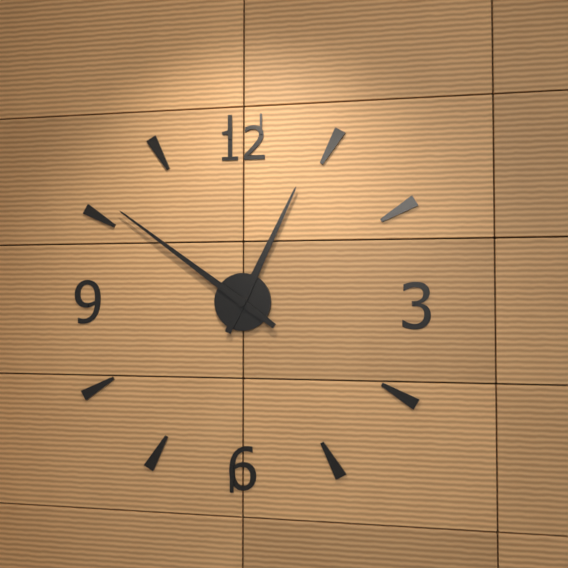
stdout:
12,51
